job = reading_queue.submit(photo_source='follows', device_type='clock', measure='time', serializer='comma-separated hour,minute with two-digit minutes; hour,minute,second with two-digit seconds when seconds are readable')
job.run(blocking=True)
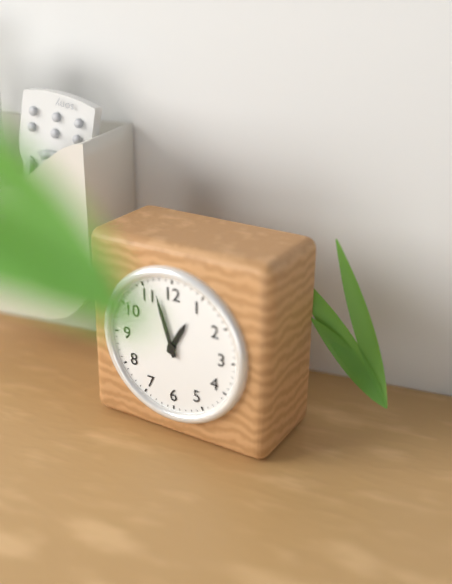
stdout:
12,57
